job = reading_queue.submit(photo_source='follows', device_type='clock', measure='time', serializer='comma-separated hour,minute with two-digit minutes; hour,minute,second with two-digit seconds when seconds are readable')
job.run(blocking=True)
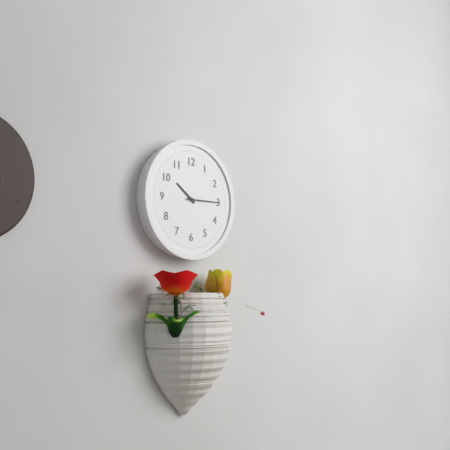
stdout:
10,15
